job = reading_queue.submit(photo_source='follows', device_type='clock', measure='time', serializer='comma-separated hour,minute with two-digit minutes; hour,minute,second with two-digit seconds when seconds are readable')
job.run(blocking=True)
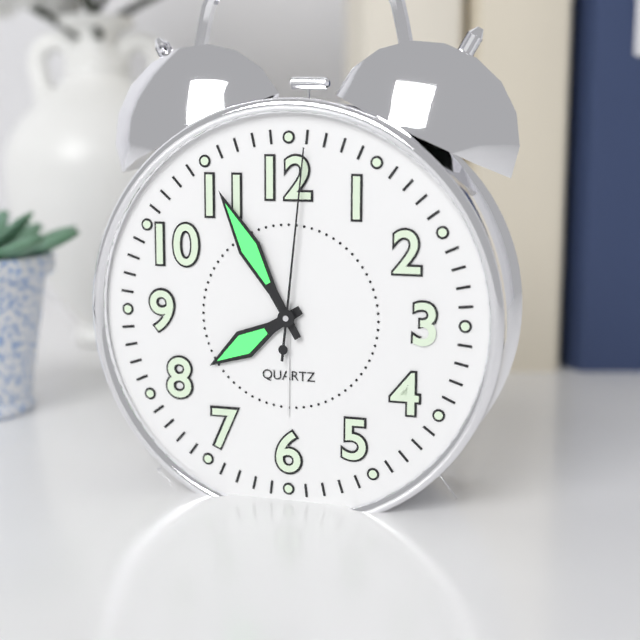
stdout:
7,55,01
